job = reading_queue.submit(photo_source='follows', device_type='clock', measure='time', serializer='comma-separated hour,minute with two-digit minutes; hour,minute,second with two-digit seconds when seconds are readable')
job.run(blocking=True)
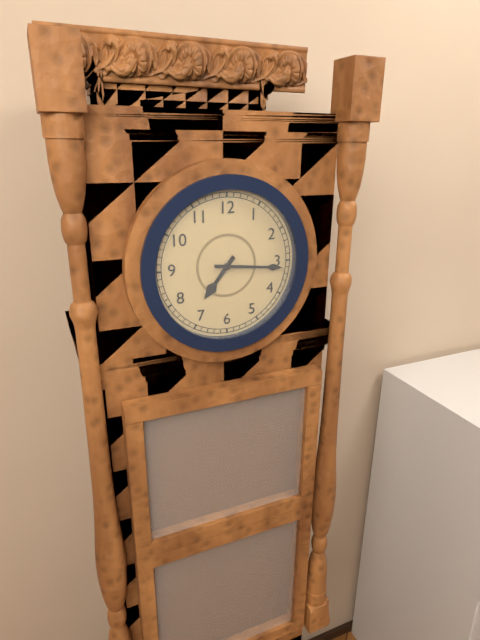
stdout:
7,16
